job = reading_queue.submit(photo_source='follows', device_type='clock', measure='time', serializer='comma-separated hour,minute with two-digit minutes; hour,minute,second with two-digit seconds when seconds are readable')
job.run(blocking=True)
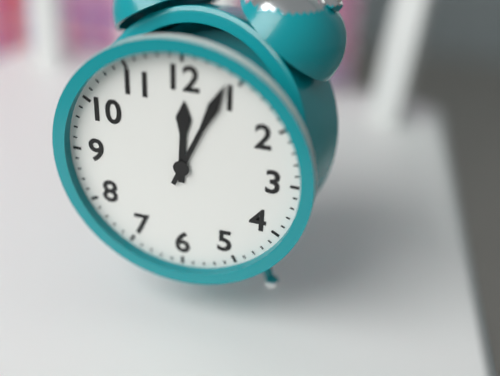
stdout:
12,04
